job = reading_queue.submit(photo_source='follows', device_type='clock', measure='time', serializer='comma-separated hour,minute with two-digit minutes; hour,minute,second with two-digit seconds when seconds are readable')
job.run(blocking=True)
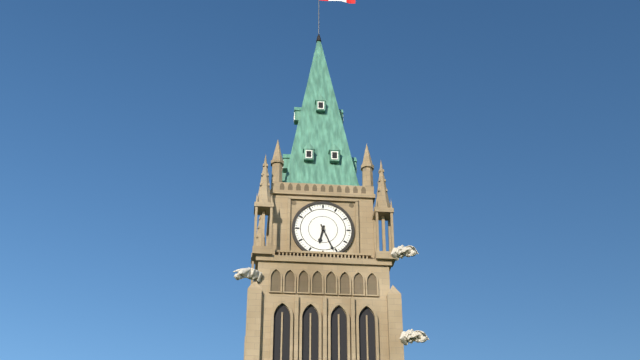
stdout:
6,26
